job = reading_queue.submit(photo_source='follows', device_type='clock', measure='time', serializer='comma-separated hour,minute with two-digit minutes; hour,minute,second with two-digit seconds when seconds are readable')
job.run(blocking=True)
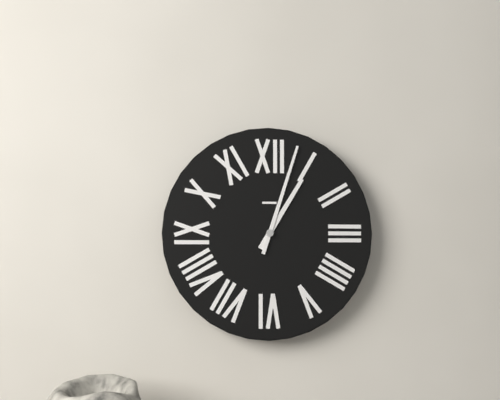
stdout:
1,03
